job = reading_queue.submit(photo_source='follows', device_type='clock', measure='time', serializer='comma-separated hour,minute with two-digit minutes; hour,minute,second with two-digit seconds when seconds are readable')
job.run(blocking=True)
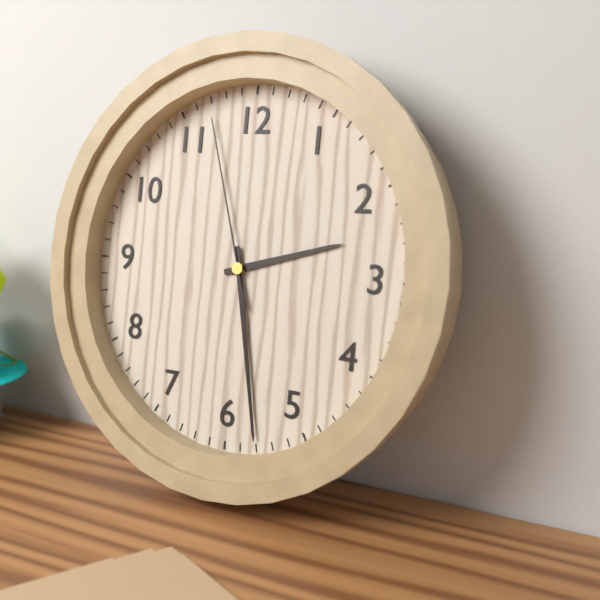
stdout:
2,28,57
